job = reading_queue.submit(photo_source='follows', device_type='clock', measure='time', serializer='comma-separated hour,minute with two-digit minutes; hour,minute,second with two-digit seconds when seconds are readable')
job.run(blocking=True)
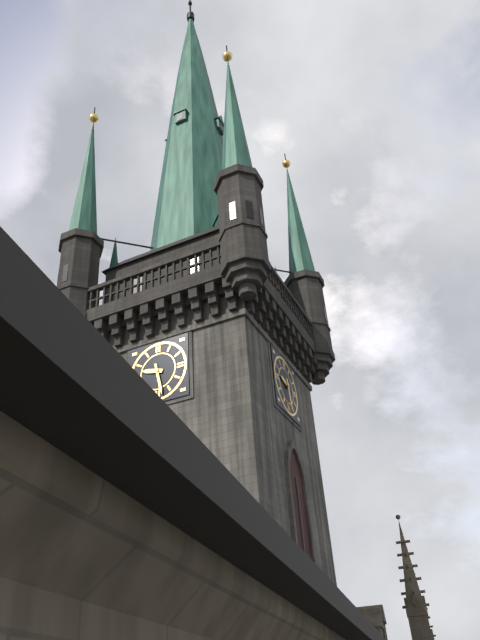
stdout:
9,28
